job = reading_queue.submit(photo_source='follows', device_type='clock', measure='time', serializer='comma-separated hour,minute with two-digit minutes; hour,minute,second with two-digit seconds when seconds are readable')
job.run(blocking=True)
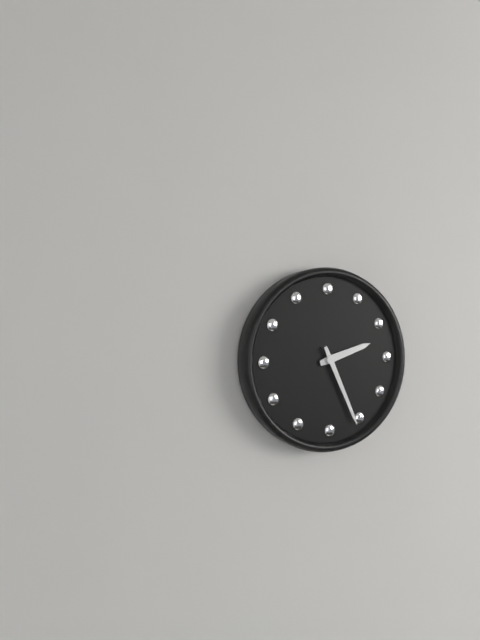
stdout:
2,26
